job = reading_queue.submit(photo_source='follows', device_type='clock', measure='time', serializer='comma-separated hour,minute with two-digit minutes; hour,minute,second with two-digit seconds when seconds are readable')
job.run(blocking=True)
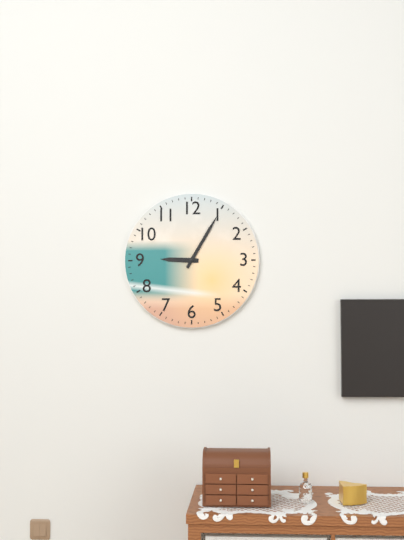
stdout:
9,05
